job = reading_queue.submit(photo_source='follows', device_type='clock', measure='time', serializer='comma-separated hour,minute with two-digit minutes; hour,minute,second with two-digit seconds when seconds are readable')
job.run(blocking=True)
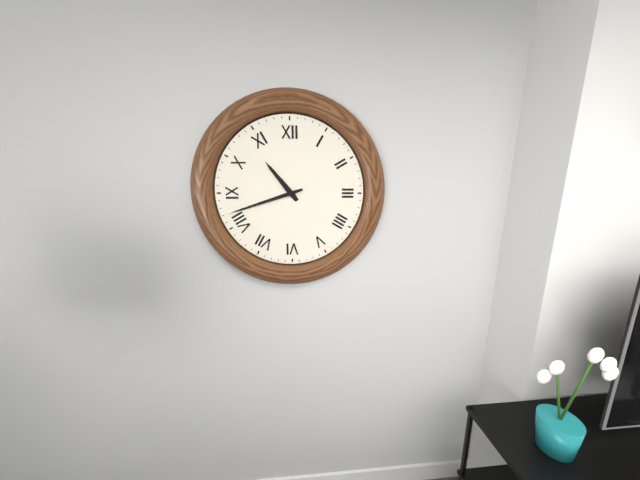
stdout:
10,42
